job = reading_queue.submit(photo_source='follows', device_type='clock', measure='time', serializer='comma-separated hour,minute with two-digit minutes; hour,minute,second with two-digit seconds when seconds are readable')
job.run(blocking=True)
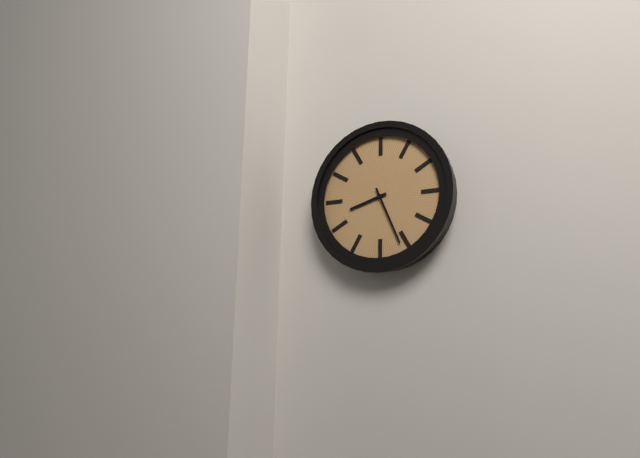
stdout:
8,26
